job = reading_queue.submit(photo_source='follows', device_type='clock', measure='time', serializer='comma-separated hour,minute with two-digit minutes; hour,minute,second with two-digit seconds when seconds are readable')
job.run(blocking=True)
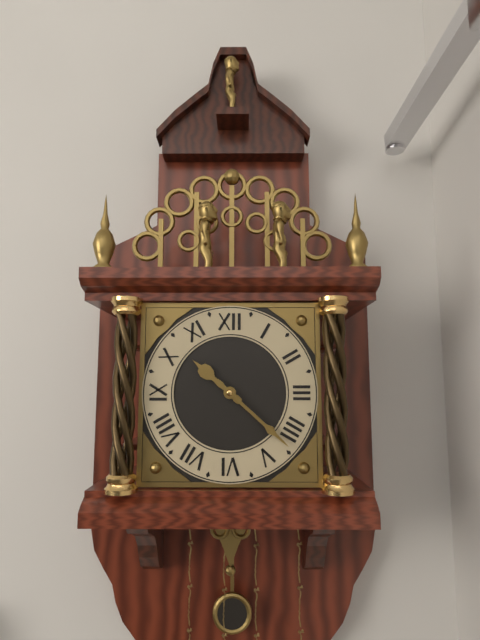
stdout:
10,22
